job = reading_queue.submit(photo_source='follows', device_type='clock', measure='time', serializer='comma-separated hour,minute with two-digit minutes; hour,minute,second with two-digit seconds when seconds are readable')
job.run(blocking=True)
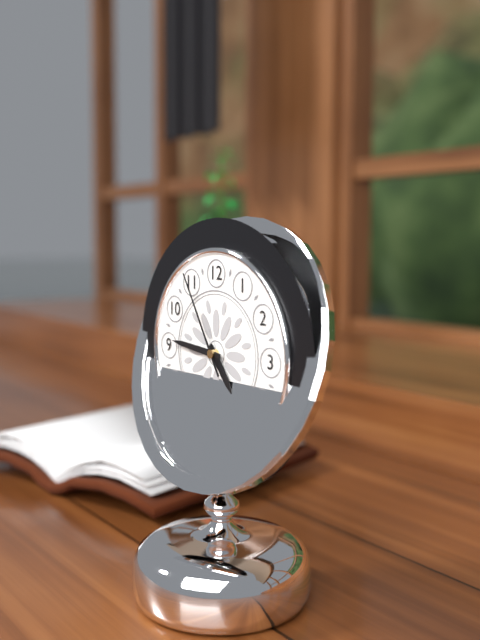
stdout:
4,46,55
